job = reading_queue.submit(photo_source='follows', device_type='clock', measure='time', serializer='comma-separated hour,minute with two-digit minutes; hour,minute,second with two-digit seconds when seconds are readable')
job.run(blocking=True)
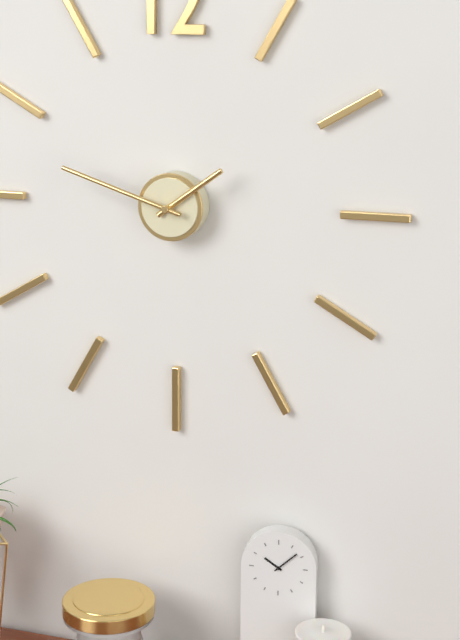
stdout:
1,48
